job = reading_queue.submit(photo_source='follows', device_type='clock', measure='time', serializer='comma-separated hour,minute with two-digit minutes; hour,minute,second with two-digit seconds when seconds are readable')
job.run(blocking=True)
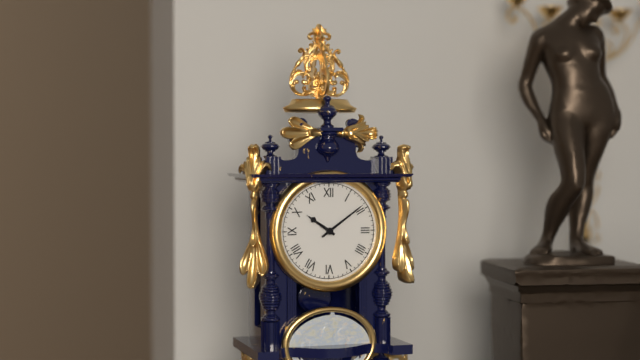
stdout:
10,09
